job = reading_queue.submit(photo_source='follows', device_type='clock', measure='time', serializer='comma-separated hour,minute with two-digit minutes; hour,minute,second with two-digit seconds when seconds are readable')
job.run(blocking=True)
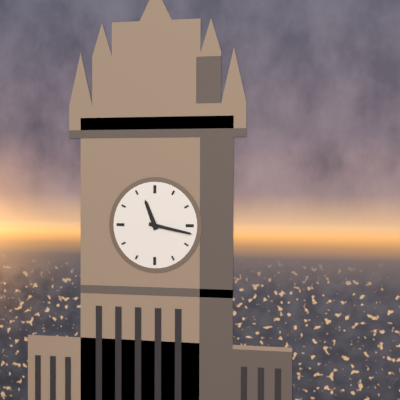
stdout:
11,17
